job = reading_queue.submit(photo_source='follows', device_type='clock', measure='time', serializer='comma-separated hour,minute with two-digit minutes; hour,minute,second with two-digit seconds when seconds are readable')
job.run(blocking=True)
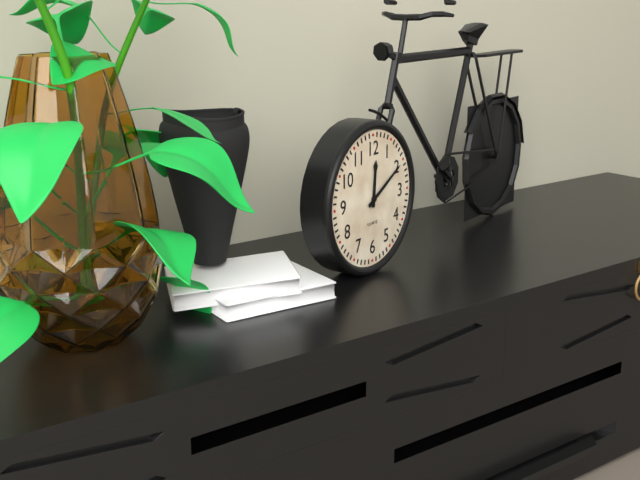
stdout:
12,10
